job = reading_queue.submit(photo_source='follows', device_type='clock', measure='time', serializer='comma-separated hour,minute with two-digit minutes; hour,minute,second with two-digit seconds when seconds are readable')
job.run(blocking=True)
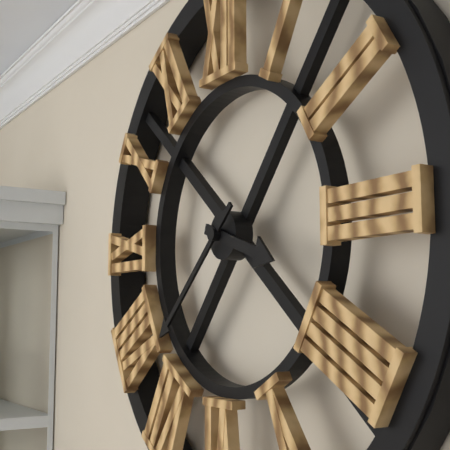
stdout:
3,38
